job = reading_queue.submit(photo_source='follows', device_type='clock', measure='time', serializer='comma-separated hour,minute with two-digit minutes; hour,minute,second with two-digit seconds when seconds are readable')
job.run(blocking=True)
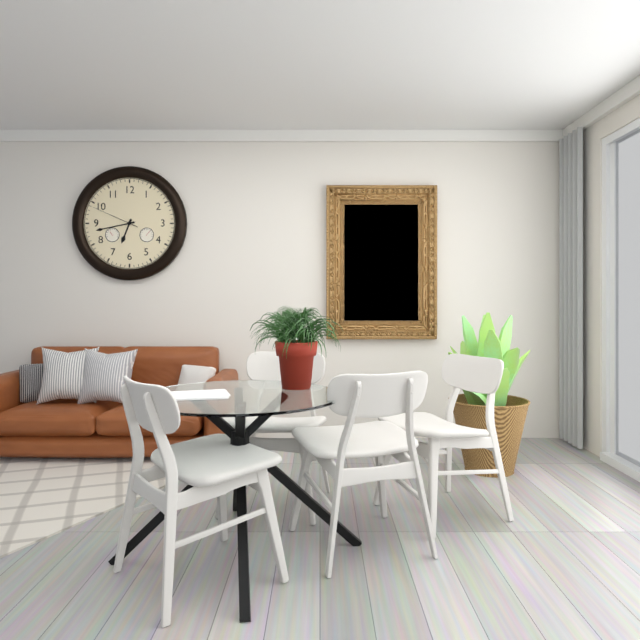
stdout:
6,43
